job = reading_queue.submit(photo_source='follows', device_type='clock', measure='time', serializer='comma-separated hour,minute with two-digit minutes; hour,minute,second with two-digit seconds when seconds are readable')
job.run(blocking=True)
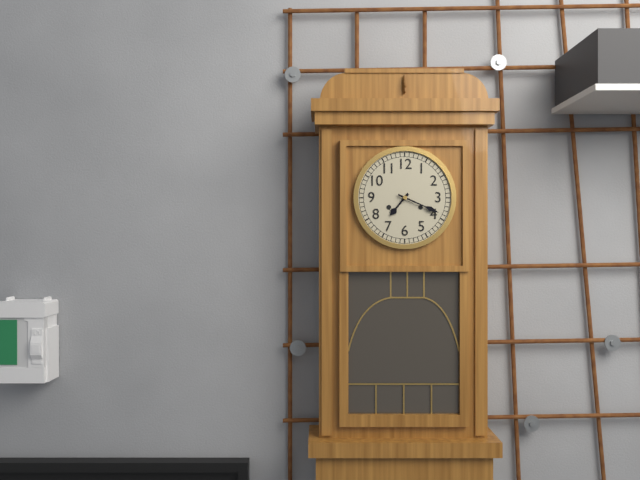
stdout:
7,19
